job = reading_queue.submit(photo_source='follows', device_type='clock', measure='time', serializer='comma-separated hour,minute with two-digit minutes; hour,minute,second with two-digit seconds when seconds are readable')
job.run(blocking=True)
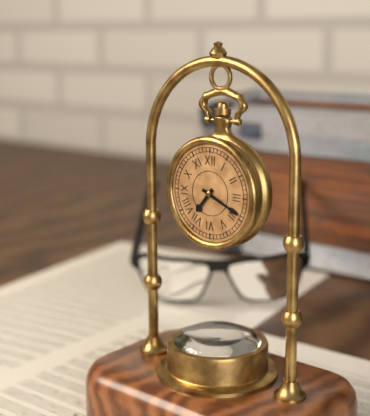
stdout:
7,19
